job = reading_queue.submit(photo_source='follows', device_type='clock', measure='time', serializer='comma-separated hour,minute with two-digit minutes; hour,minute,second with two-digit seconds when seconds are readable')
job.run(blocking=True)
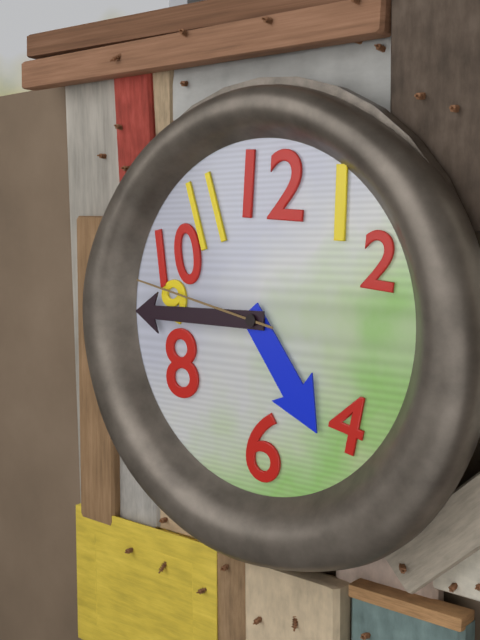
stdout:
4,45,47
